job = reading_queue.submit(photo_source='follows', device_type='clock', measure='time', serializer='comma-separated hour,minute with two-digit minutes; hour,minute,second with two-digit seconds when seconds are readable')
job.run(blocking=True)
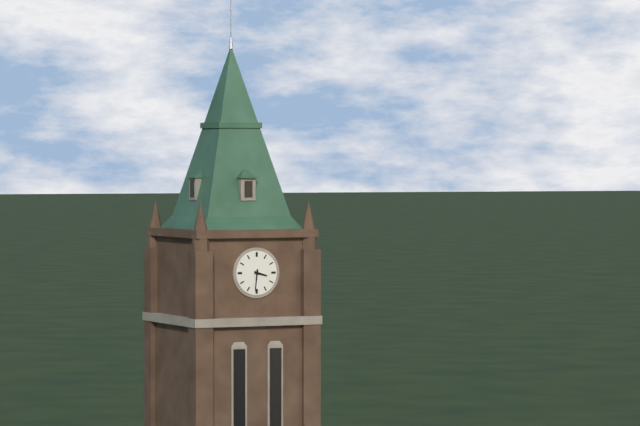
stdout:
3,31
